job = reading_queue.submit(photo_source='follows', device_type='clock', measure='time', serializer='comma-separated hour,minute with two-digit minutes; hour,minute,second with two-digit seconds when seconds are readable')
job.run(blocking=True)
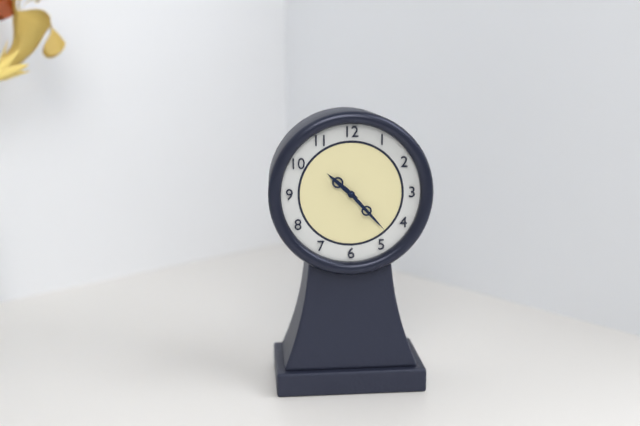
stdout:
10,23
